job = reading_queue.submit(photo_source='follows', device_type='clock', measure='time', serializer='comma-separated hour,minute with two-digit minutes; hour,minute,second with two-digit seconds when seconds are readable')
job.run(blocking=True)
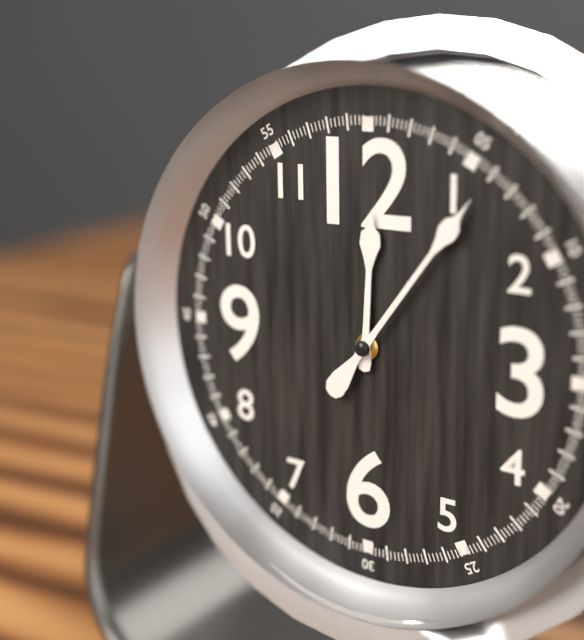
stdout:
12,06
